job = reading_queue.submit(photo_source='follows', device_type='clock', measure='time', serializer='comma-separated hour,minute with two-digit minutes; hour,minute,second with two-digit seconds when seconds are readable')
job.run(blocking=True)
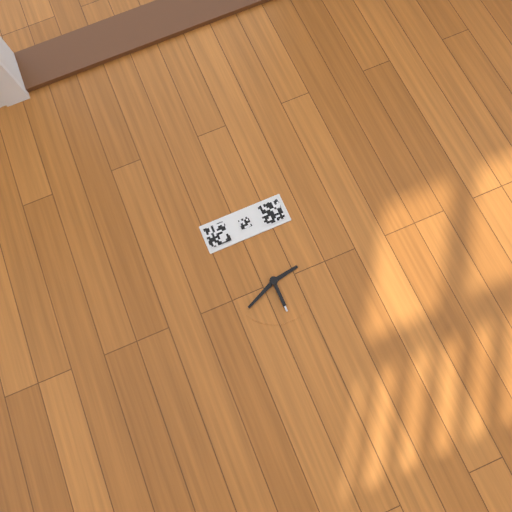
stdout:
2,41
